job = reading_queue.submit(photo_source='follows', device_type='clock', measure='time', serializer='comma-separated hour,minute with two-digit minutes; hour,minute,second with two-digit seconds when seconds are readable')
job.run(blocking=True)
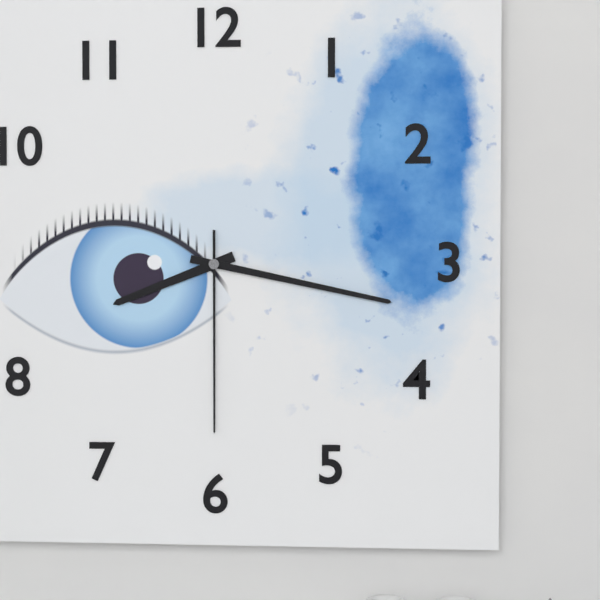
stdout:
8,17,30
